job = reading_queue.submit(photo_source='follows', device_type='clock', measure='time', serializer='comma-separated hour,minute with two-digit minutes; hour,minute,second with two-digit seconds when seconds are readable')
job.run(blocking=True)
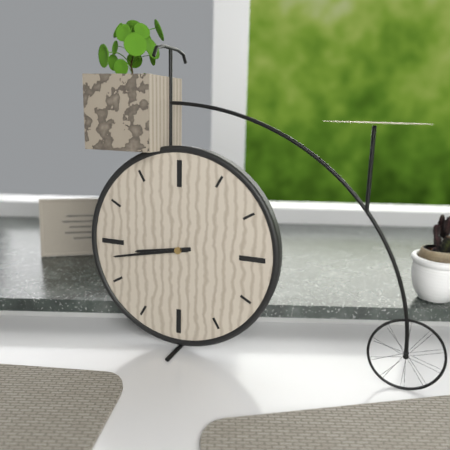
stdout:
8,43
